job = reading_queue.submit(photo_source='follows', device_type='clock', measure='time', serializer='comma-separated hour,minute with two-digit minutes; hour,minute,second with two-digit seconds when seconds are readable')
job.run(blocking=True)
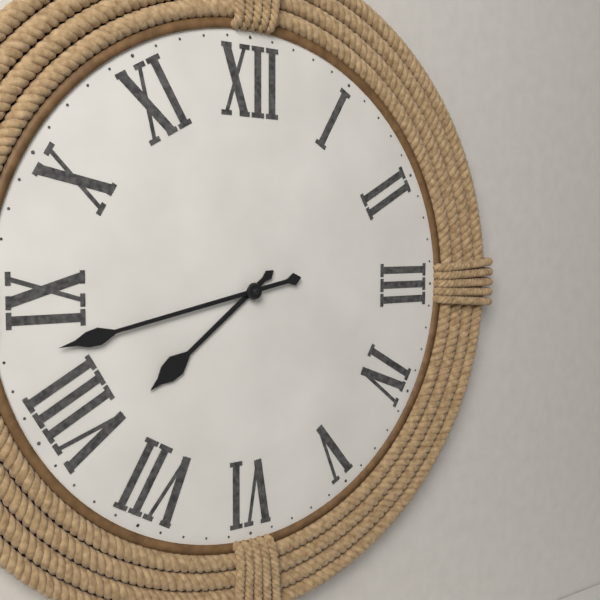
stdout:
7,43
